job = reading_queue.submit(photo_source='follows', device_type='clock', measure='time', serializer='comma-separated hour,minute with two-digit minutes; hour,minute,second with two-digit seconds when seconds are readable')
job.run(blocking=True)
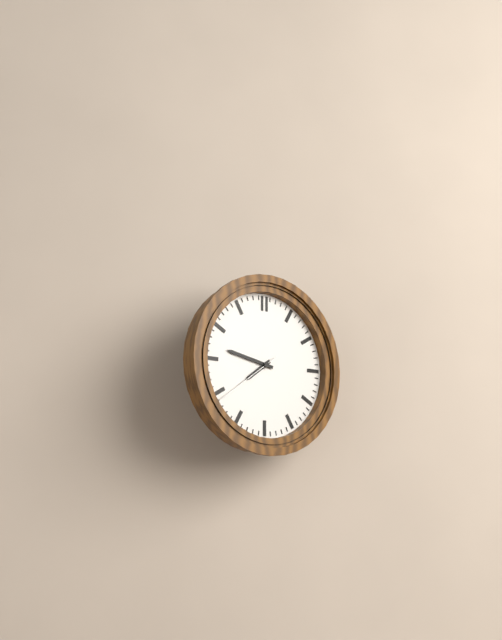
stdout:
7,47,39
